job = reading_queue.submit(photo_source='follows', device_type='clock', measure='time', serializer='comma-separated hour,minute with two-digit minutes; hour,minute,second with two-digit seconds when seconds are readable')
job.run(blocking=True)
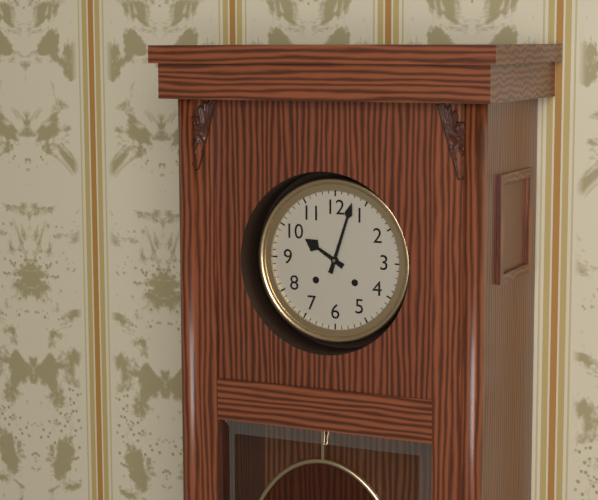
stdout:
10,03
